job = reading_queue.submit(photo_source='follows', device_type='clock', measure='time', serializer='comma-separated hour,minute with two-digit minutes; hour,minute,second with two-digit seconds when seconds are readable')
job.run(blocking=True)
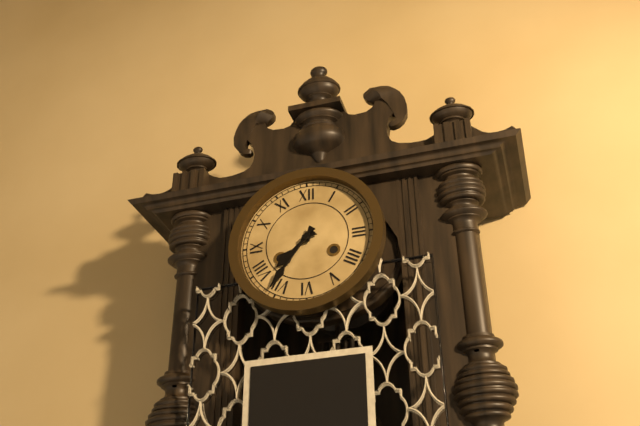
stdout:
7,36
